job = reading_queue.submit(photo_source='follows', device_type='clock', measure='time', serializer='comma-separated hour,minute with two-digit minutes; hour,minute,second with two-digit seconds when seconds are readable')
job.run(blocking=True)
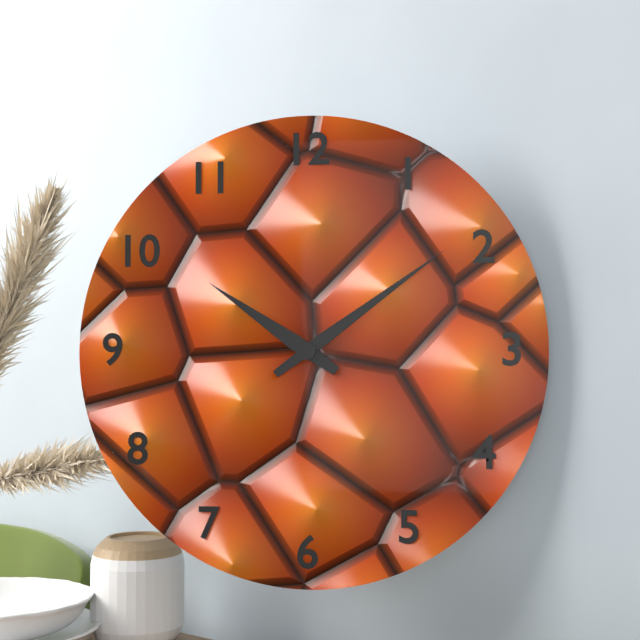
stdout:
10,09
